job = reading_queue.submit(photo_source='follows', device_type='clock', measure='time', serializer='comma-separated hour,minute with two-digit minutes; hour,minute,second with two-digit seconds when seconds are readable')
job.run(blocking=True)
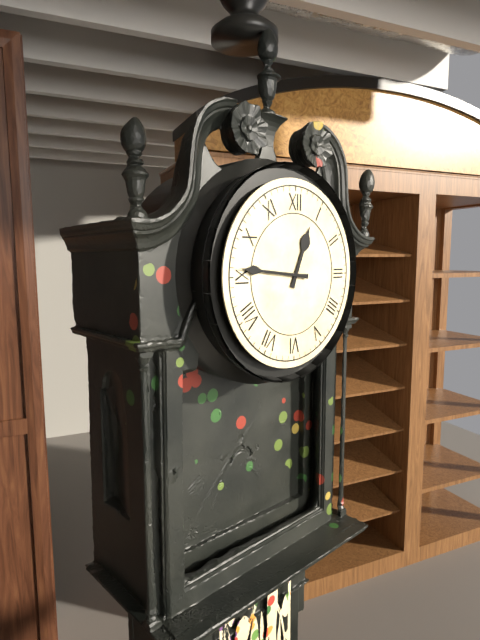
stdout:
12,46
